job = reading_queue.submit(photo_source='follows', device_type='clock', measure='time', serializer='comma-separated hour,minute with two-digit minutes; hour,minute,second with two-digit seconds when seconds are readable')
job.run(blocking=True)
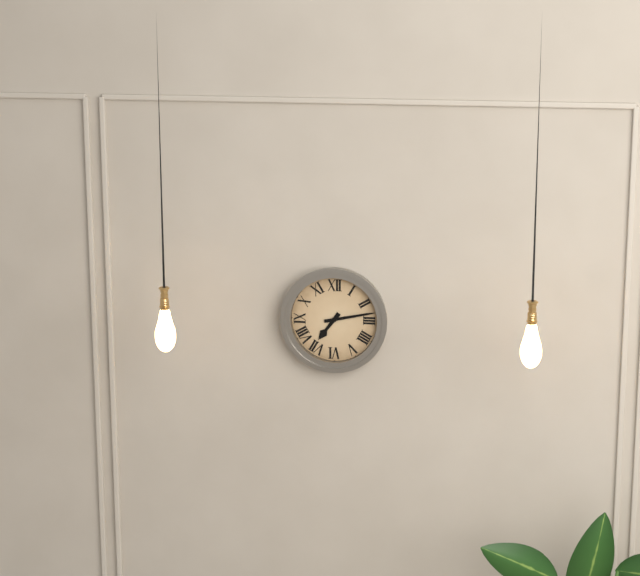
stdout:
7,13
